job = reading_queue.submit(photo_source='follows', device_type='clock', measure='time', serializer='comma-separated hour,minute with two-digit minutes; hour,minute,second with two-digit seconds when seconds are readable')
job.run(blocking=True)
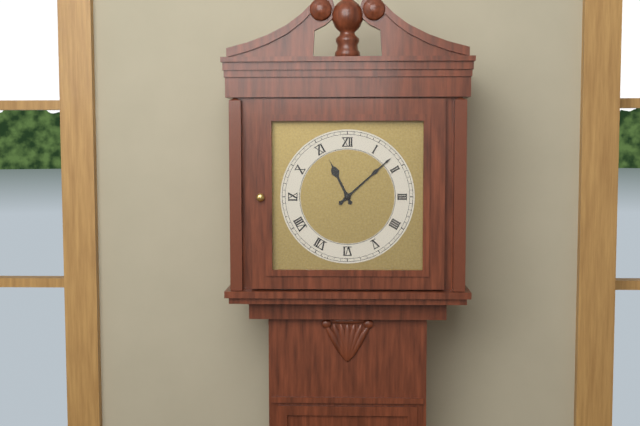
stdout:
11,08
